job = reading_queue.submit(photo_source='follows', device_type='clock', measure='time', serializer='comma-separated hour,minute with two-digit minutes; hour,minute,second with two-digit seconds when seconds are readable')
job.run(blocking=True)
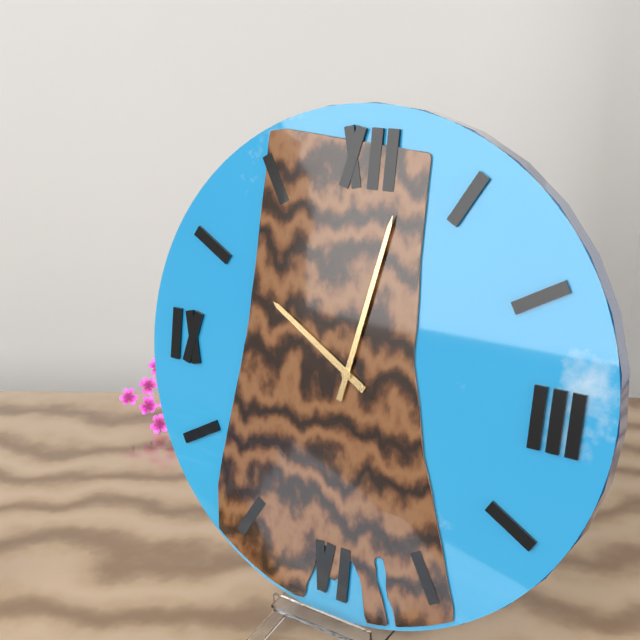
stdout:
10,02
